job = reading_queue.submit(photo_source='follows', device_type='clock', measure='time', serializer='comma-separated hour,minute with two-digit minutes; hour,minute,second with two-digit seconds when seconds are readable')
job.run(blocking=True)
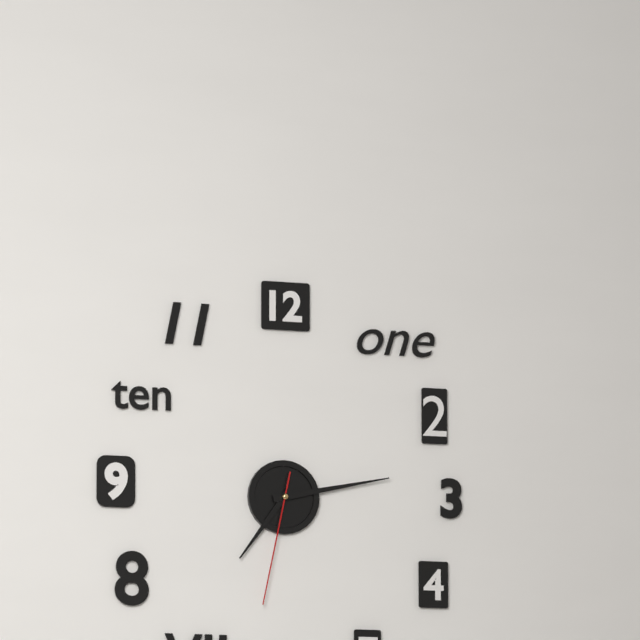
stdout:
7,13,32
